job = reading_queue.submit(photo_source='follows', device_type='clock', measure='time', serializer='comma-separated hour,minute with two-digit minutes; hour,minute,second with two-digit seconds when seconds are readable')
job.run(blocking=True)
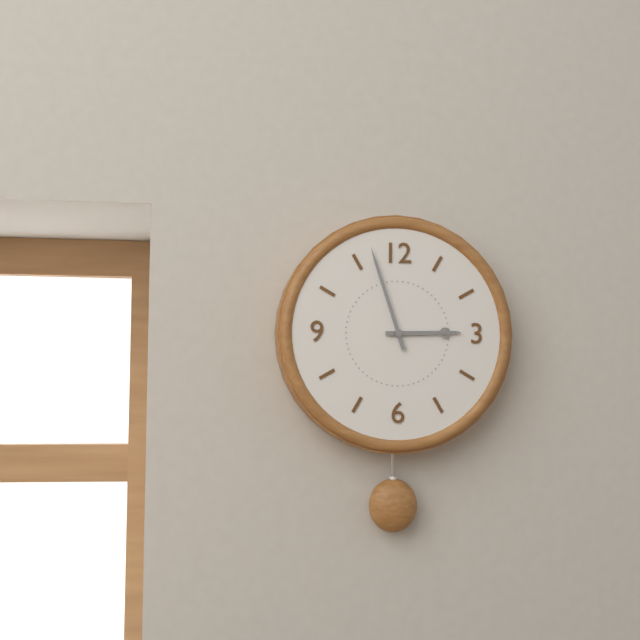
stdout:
2,57
